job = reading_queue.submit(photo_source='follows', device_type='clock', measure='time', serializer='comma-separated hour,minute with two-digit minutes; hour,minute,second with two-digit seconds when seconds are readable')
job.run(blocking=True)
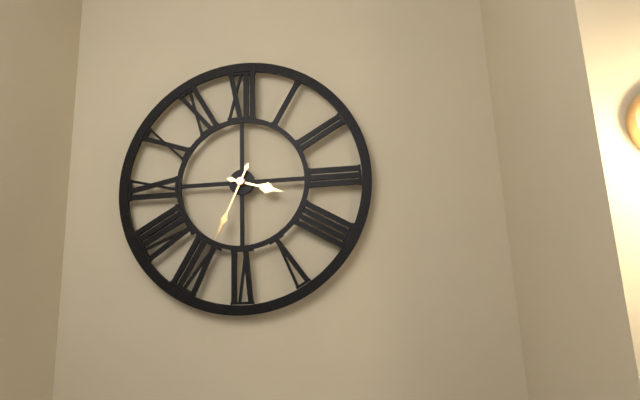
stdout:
3,34
